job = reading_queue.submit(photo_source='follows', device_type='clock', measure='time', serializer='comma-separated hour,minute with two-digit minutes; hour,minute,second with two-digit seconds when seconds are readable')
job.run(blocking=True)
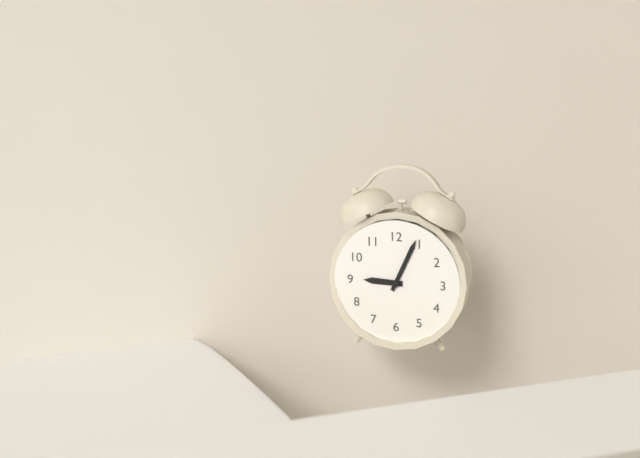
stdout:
9,04
